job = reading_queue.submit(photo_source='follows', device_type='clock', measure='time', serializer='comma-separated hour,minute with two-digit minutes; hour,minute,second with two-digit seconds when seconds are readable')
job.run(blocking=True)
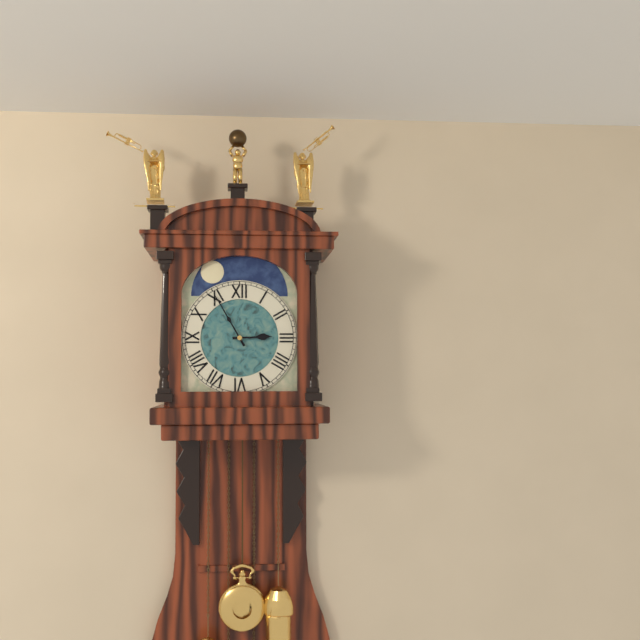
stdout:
2,55
